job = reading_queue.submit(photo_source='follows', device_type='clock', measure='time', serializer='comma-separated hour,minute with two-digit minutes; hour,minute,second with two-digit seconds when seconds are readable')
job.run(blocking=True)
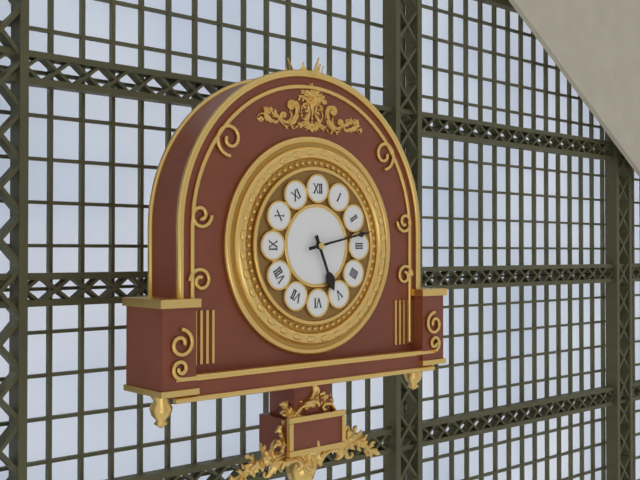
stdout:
5,13
